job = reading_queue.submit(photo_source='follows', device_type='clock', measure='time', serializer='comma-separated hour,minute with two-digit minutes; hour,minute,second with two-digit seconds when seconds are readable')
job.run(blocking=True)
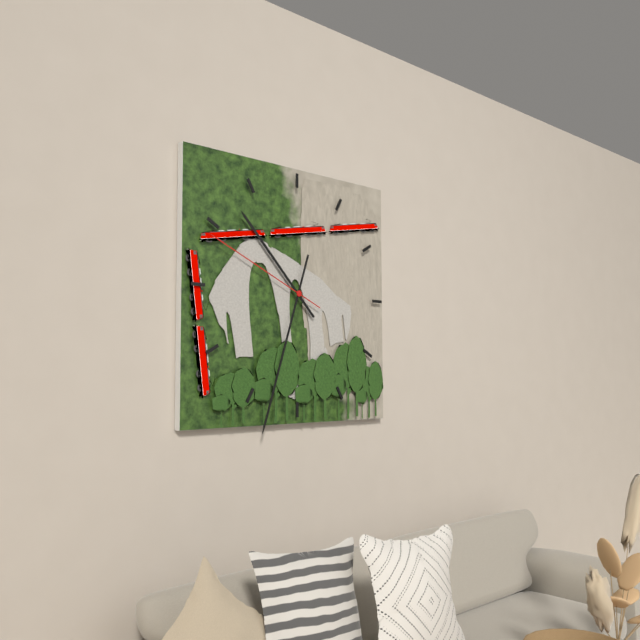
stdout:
10,33,49
